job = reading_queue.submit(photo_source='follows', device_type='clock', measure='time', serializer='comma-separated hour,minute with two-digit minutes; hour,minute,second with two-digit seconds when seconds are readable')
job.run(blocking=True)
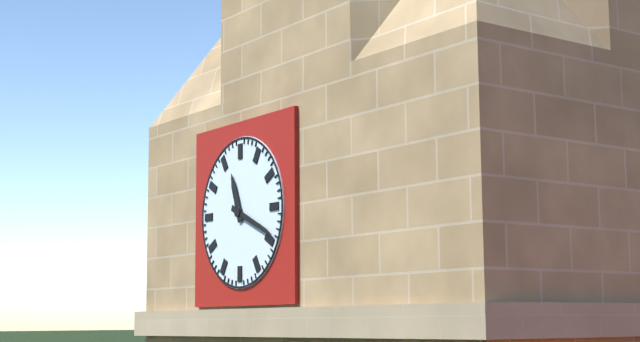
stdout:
11,19
